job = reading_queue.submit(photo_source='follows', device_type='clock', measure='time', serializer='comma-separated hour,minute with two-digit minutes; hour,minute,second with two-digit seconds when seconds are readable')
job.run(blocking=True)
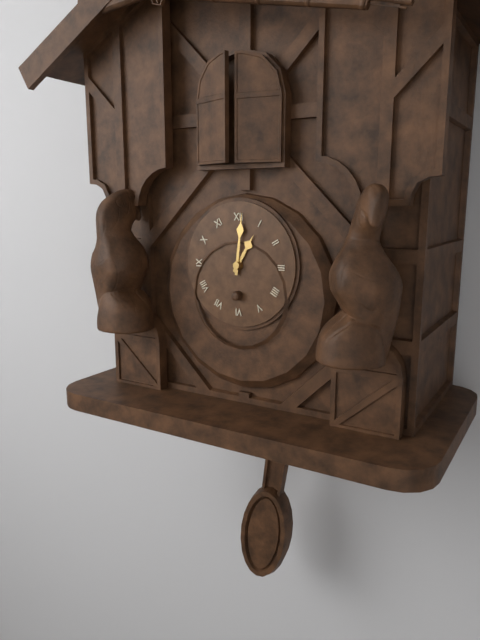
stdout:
1,01
